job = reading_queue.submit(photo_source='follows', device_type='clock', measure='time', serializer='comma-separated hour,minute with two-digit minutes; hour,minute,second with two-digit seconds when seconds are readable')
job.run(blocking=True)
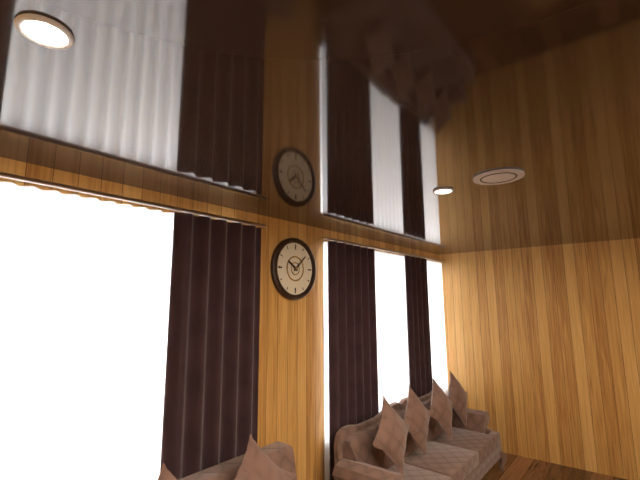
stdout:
10,08
